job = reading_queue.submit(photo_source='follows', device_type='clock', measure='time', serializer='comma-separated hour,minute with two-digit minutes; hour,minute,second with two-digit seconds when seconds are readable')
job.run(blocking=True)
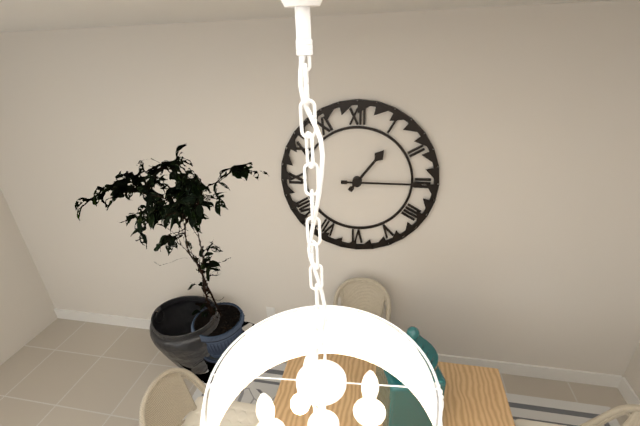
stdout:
1,15
